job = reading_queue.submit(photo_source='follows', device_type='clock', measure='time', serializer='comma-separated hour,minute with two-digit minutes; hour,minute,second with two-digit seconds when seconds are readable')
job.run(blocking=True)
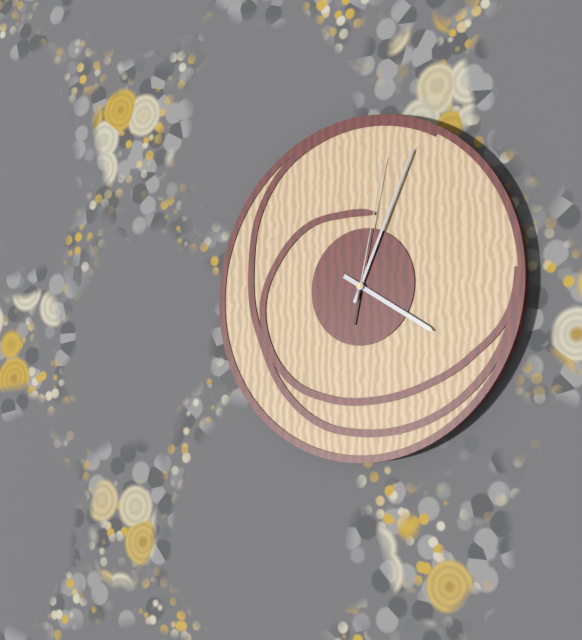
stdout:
4,04,02
